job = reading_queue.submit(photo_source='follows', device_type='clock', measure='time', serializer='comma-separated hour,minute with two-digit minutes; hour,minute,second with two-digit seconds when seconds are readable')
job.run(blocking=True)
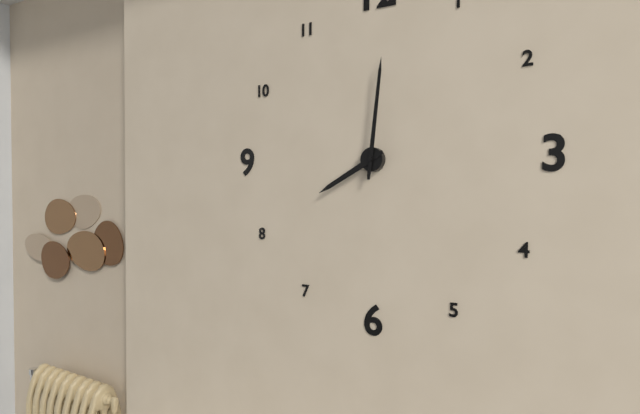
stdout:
8,01
